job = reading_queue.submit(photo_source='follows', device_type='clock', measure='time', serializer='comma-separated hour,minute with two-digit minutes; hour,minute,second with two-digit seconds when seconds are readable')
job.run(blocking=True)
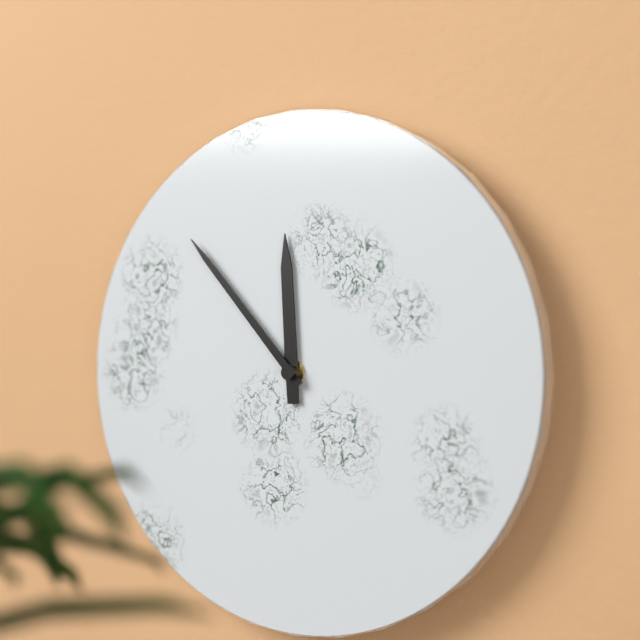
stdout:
11,53
